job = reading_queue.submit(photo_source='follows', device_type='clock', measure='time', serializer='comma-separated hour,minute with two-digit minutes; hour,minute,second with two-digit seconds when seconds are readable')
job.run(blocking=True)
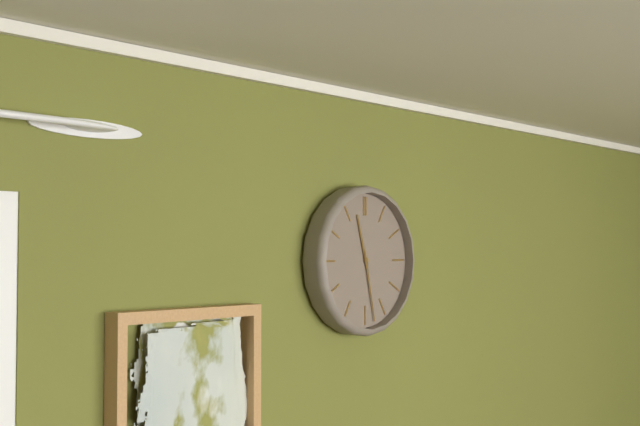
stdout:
11,28
